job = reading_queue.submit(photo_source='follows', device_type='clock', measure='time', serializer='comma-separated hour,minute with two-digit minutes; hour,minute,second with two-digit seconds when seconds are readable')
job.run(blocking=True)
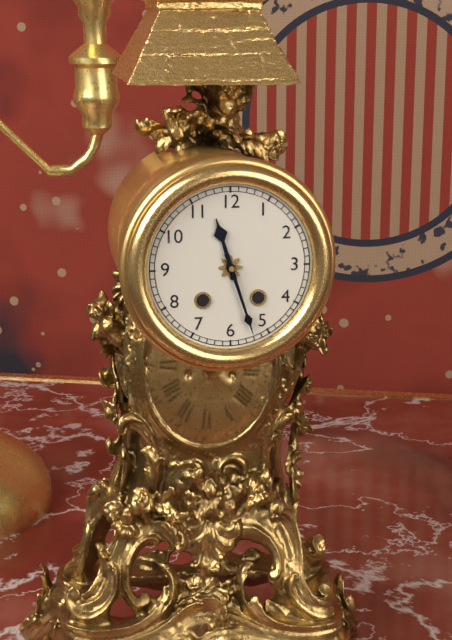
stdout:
11,27
